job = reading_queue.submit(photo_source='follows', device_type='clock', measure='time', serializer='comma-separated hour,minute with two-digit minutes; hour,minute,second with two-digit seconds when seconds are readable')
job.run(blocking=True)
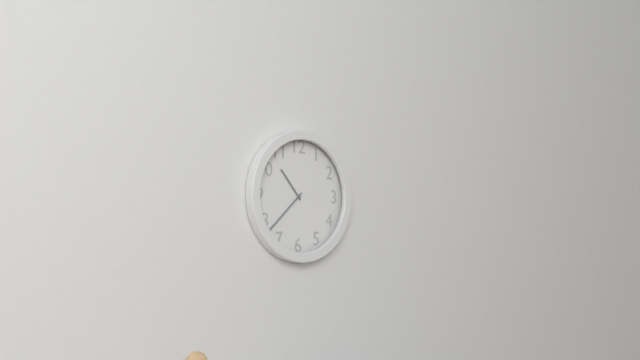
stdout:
10,38
